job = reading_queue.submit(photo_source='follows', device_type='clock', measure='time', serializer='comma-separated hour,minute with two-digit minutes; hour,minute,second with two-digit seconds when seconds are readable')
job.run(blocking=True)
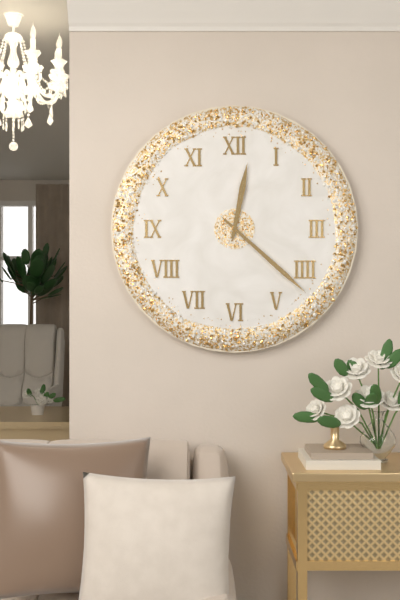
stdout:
12,22
